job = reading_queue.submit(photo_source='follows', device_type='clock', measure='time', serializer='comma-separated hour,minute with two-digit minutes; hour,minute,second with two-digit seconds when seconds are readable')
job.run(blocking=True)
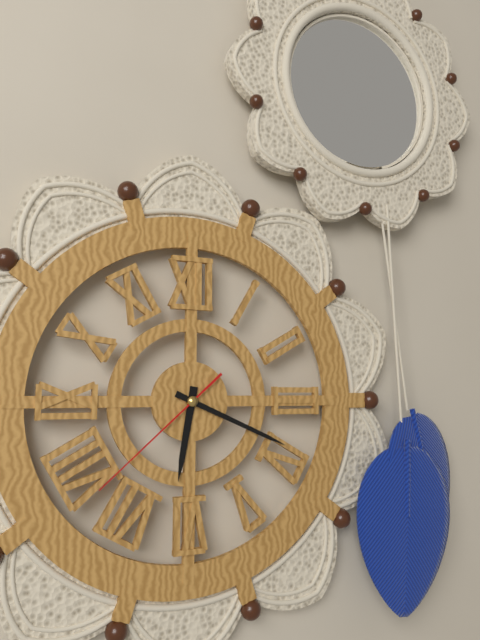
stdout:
6,19,38
